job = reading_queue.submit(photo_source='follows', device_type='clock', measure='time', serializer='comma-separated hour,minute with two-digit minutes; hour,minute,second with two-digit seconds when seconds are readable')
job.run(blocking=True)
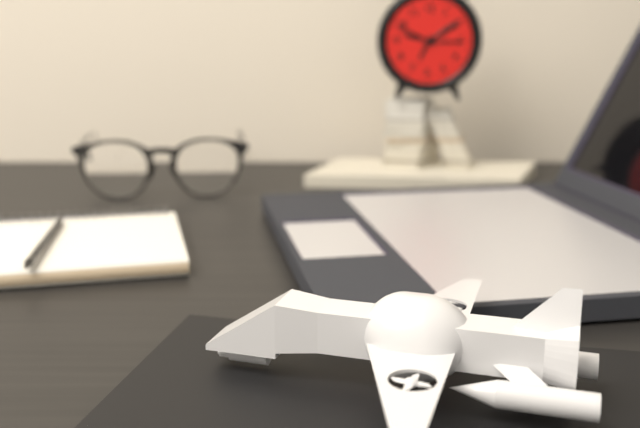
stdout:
6,49
